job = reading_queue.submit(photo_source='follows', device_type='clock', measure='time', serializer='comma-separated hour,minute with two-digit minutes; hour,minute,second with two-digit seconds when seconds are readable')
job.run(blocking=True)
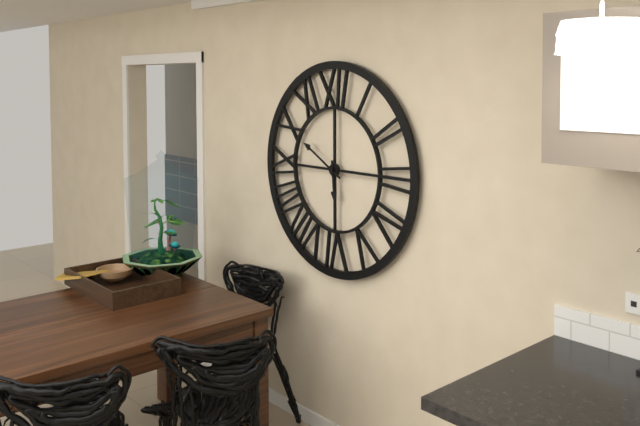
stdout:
5,50
